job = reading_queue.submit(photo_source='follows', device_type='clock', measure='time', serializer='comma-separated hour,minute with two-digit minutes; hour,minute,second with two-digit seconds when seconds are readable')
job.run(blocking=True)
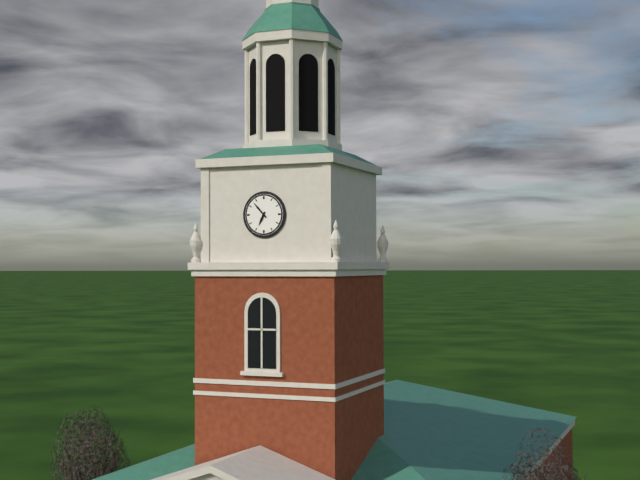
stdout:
6,53
